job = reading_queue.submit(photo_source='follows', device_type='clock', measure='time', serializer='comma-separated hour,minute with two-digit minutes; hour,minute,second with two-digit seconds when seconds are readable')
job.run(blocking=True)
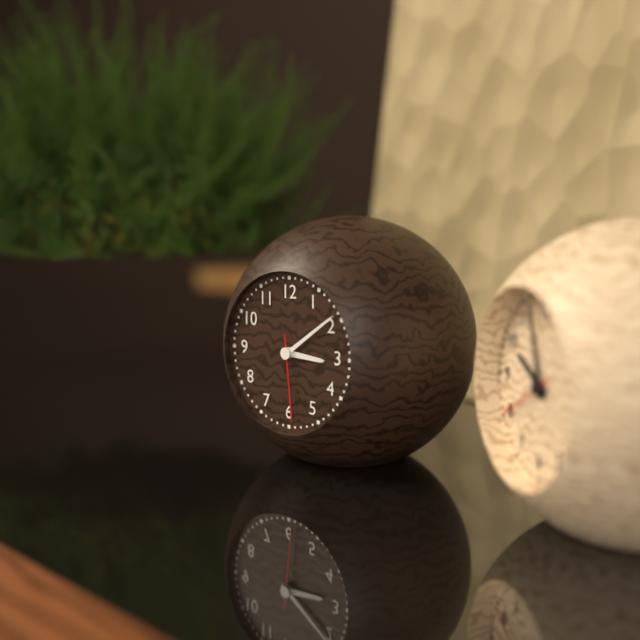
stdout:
3,09,29
